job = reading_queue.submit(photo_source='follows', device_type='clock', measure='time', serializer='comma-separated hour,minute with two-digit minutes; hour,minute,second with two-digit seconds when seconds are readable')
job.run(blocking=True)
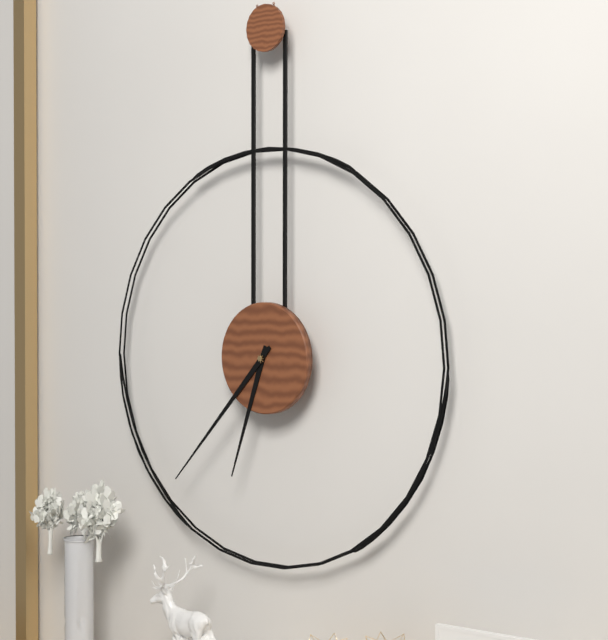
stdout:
6,37
